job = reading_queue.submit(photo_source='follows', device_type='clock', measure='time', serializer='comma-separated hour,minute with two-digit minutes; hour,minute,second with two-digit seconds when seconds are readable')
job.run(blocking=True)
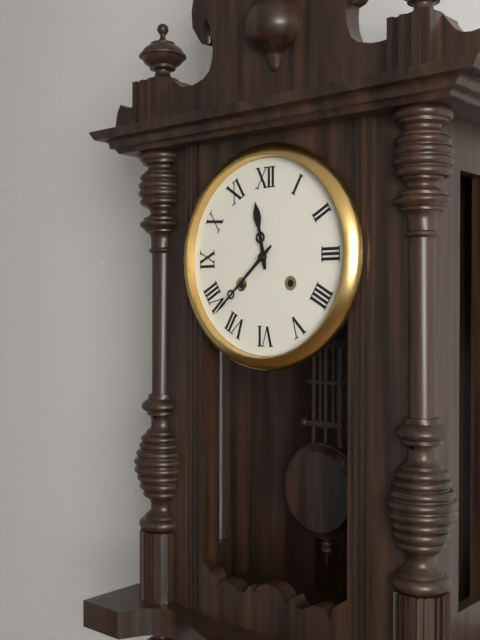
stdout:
11,38
